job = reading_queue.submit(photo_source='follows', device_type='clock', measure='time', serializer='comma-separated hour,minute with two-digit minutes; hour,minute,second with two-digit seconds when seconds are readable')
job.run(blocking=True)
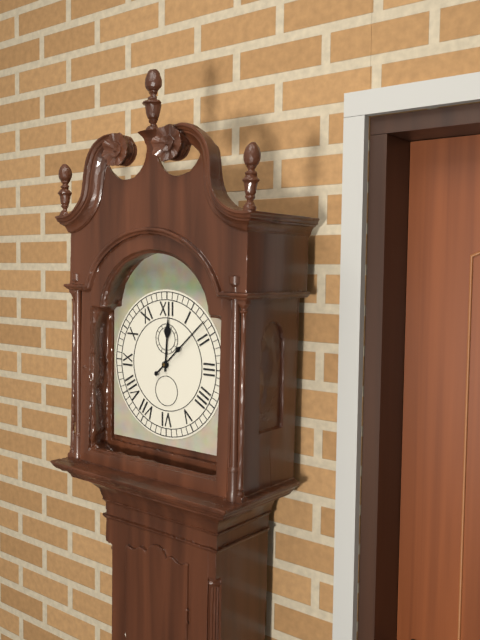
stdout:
12,08
